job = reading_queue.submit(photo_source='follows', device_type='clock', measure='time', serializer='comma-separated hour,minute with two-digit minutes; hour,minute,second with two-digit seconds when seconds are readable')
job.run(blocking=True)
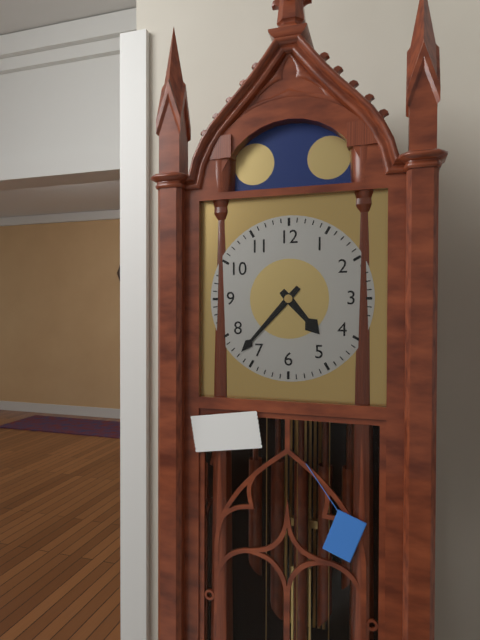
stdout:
4,37
